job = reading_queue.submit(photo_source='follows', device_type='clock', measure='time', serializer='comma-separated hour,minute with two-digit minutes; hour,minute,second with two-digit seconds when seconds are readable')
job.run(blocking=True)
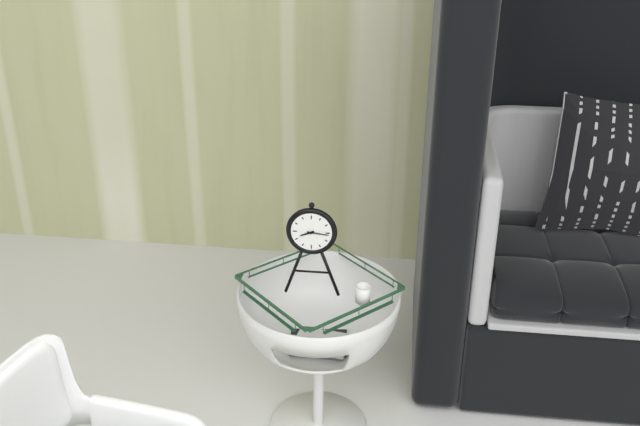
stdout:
8,16
